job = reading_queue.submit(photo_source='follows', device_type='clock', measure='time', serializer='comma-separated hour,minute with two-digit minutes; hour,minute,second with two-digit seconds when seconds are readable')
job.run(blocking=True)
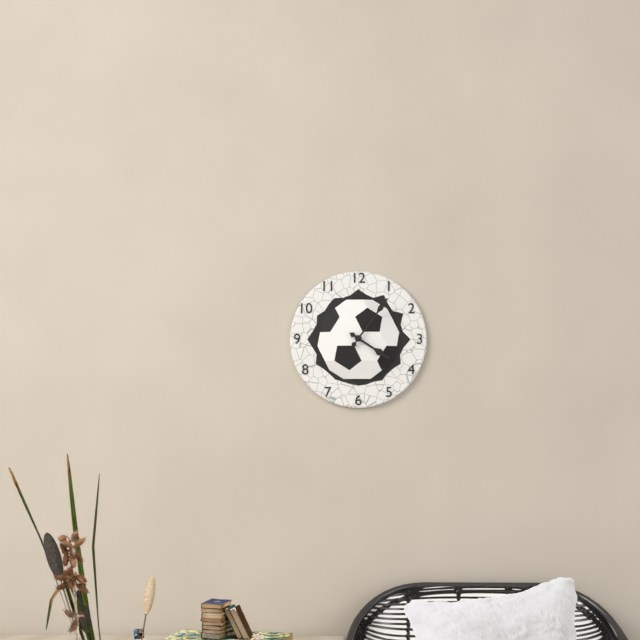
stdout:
4,06
